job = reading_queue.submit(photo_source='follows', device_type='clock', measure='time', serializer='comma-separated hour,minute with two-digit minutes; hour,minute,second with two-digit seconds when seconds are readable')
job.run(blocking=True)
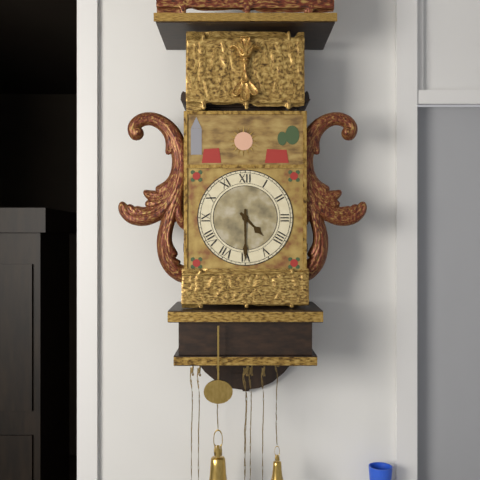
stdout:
4,30
